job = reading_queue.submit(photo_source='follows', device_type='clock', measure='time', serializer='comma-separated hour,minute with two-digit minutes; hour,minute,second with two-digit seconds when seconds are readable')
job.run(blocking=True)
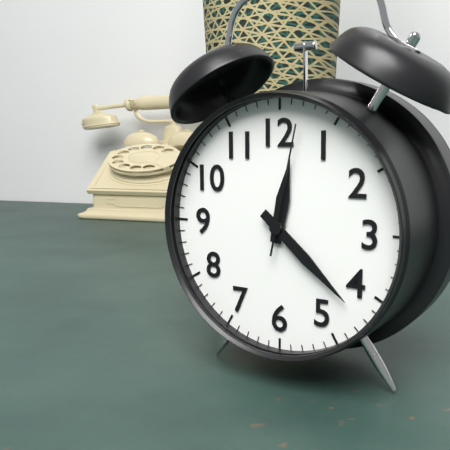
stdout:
12,22,02
